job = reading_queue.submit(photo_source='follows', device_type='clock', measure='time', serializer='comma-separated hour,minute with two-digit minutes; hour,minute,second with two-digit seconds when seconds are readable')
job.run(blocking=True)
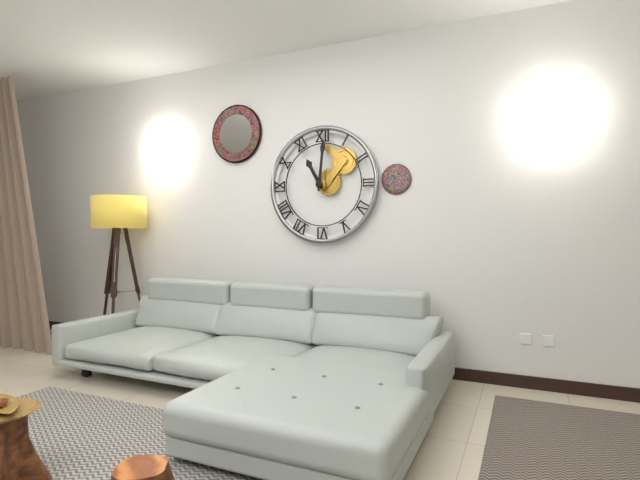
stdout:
11,01
